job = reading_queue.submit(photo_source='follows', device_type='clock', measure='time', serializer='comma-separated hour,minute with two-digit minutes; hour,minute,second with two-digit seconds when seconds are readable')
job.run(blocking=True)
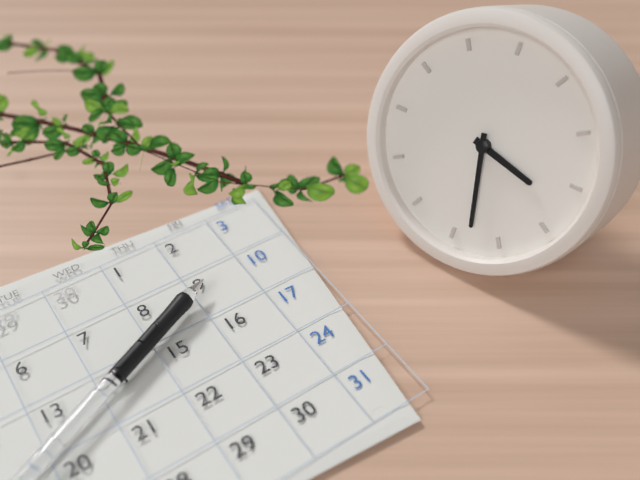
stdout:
3,28
